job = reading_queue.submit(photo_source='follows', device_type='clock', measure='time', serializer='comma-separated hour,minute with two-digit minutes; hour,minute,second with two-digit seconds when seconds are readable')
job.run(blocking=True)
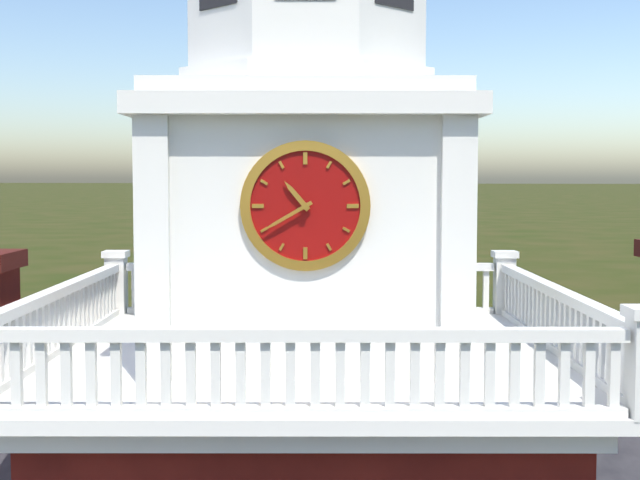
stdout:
10,40
